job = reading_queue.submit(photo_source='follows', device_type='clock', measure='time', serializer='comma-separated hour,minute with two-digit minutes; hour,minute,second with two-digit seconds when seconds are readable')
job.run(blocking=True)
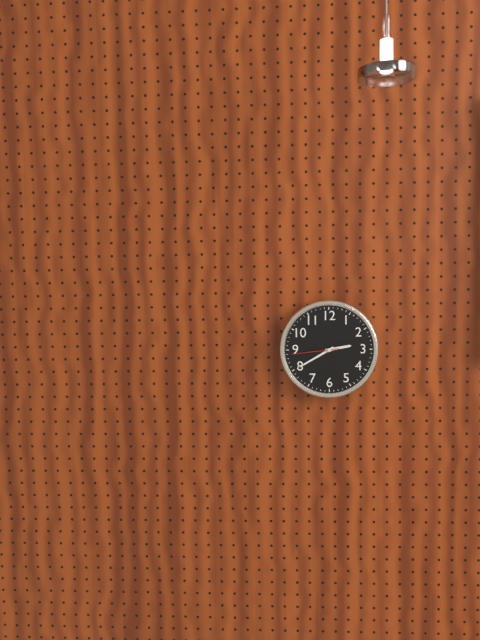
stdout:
2,40
